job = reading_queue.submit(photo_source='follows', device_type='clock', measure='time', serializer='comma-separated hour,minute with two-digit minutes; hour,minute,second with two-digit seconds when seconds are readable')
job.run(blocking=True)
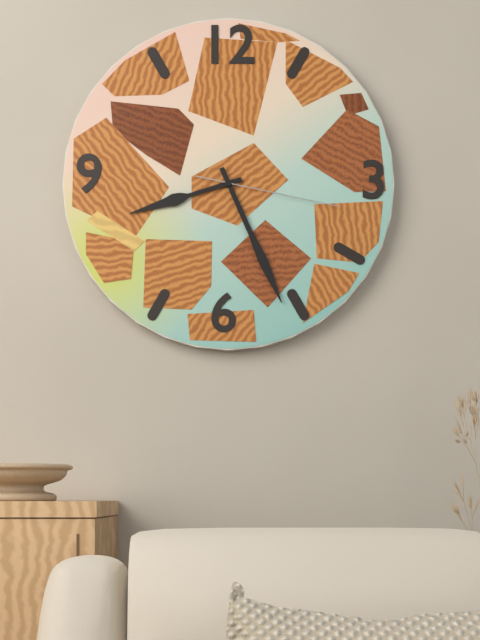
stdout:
8,26,17
